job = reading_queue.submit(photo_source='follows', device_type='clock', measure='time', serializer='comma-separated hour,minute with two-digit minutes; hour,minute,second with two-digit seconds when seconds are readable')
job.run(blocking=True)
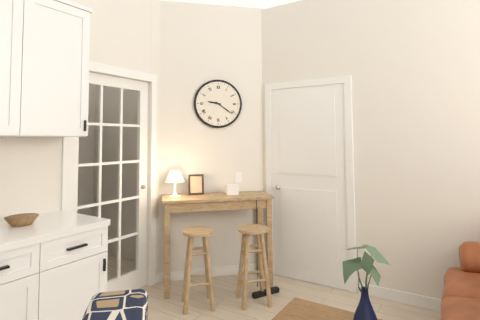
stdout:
9,21
